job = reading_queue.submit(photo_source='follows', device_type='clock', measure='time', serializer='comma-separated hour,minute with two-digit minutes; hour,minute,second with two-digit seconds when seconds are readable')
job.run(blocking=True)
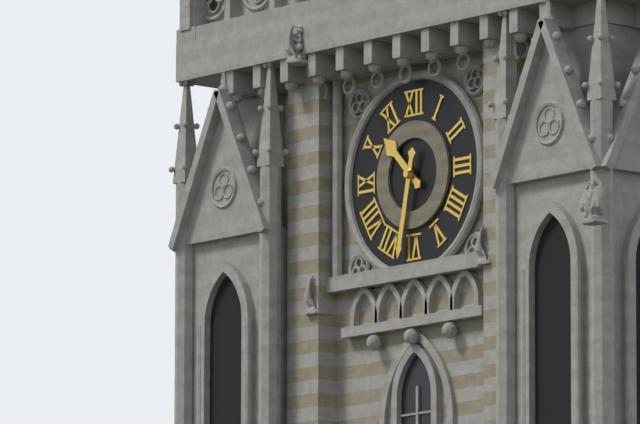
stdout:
10,32
